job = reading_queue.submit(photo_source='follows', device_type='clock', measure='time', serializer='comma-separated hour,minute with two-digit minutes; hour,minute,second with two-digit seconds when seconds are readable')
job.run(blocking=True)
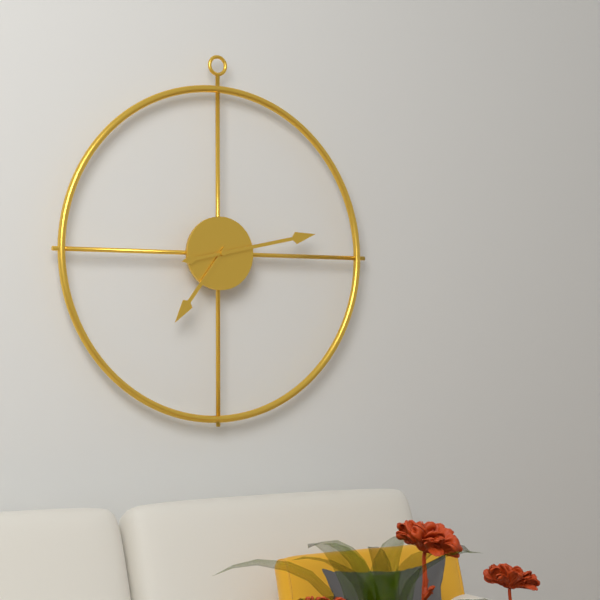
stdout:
7,13
